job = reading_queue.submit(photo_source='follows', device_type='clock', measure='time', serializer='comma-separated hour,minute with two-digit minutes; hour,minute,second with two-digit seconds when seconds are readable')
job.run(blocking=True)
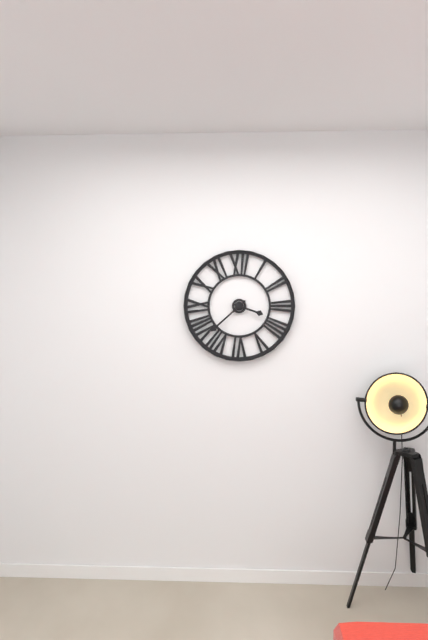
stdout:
3,38
